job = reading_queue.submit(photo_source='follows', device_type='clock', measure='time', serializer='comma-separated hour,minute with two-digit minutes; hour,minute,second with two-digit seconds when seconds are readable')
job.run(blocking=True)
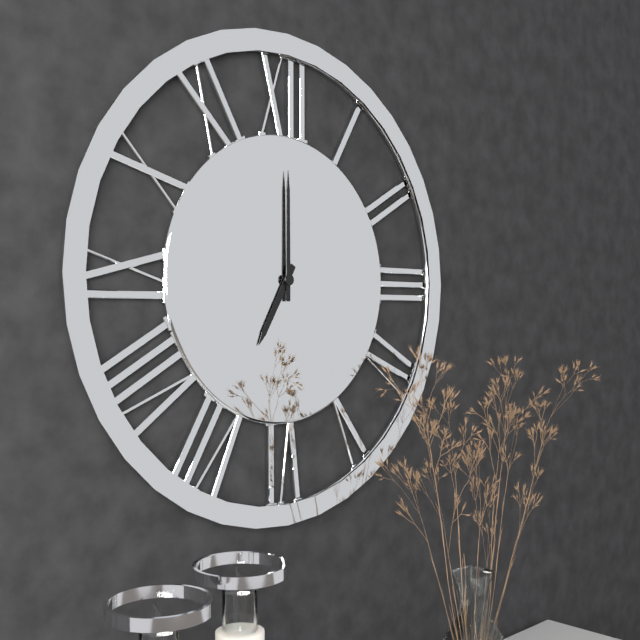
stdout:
7,00
